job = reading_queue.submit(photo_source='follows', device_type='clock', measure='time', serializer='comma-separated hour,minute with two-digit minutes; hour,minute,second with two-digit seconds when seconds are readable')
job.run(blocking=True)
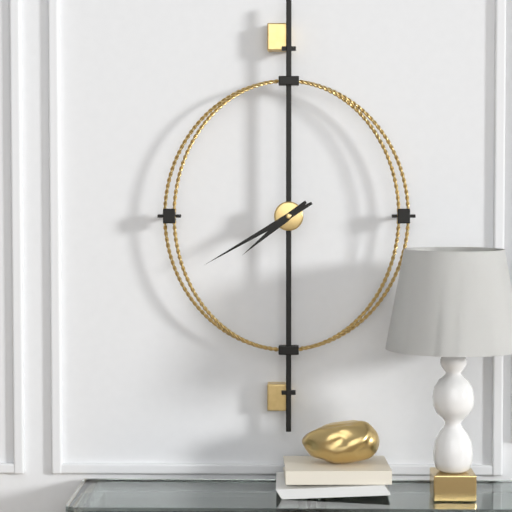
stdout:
7,40
